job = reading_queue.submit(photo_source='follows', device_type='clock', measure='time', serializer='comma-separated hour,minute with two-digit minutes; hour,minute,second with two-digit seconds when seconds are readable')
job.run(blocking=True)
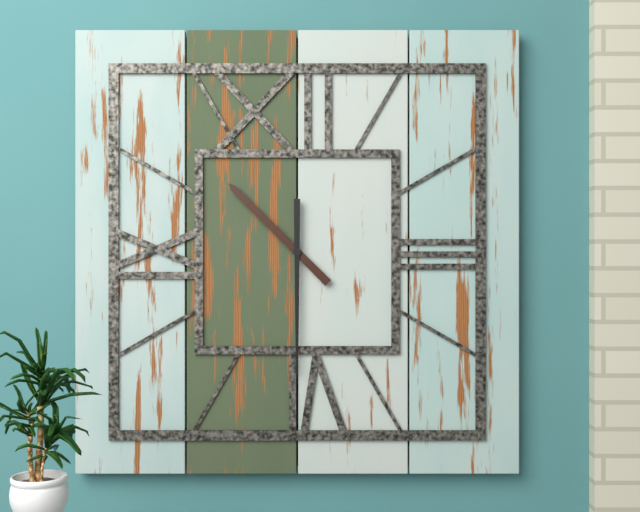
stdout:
10,30
